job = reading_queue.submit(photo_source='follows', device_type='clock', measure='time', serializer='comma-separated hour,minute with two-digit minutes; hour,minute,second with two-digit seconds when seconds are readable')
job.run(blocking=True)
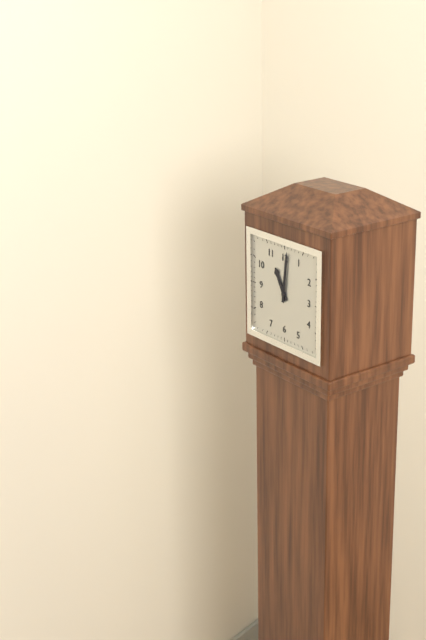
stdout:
11,01
